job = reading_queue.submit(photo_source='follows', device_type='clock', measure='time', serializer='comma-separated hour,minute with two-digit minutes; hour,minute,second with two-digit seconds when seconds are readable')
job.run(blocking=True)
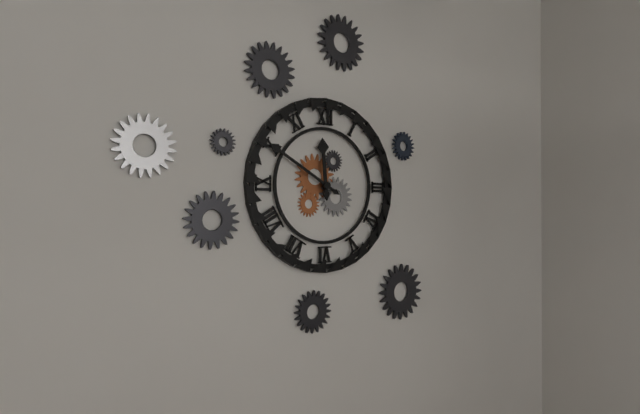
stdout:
11,50
